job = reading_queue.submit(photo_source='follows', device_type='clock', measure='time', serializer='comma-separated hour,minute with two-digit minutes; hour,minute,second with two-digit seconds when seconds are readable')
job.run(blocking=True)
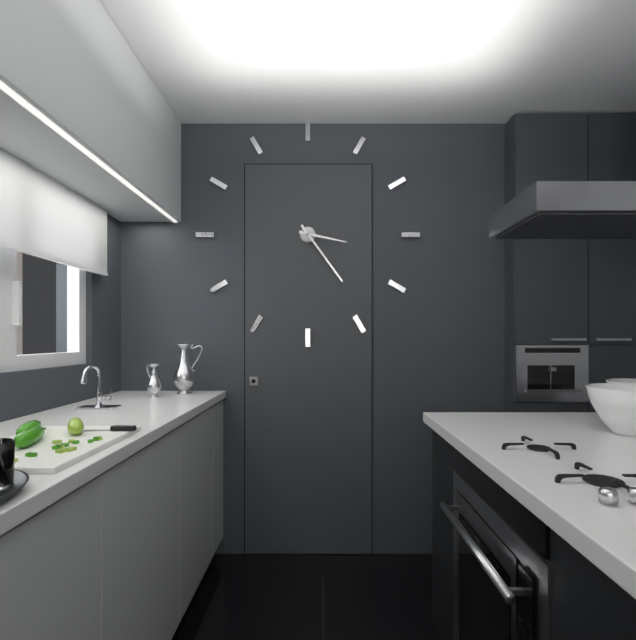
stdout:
3,24
